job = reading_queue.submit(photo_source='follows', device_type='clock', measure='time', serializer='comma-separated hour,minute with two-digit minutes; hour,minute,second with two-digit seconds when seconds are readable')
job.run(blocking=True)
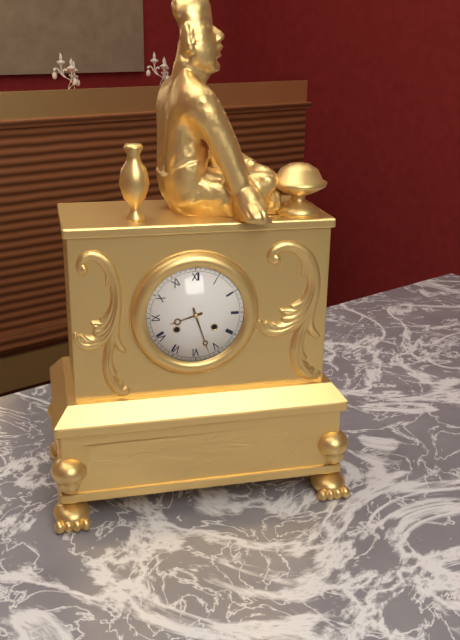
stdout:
8,27
